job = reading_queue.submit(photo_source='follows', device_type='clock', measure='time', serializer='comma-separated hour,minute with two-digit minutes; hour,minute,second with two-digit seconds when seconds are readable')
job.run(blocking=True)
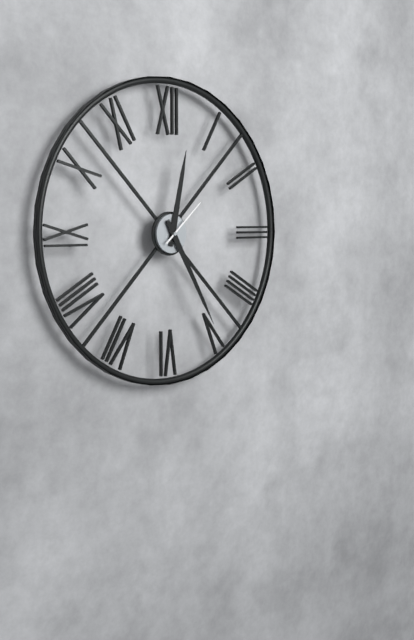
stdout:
12,25,08
